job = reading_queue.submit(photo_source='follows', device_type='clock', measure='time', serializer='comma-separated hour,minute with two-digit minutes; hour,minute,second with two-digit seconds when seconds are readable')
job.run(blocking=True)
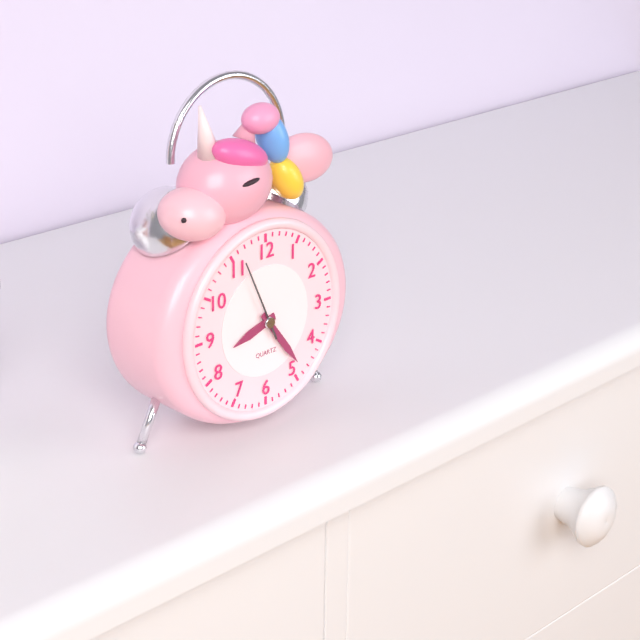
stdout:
8,24,56
